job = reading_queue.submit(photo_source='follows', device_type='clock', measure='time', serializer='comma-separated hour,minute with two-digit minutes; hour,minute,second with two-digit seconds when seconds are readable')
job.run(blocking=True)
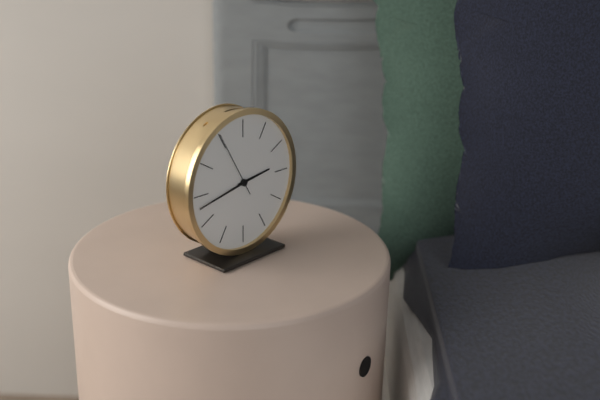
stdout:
2,43,55
